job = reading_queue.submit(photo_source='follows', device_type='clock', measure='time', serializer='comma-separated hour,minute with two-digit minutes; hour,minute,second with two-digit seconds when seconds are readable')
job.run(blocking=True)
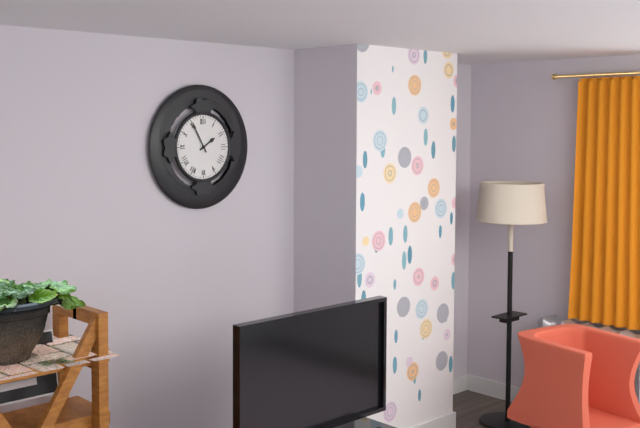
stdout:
1,55
